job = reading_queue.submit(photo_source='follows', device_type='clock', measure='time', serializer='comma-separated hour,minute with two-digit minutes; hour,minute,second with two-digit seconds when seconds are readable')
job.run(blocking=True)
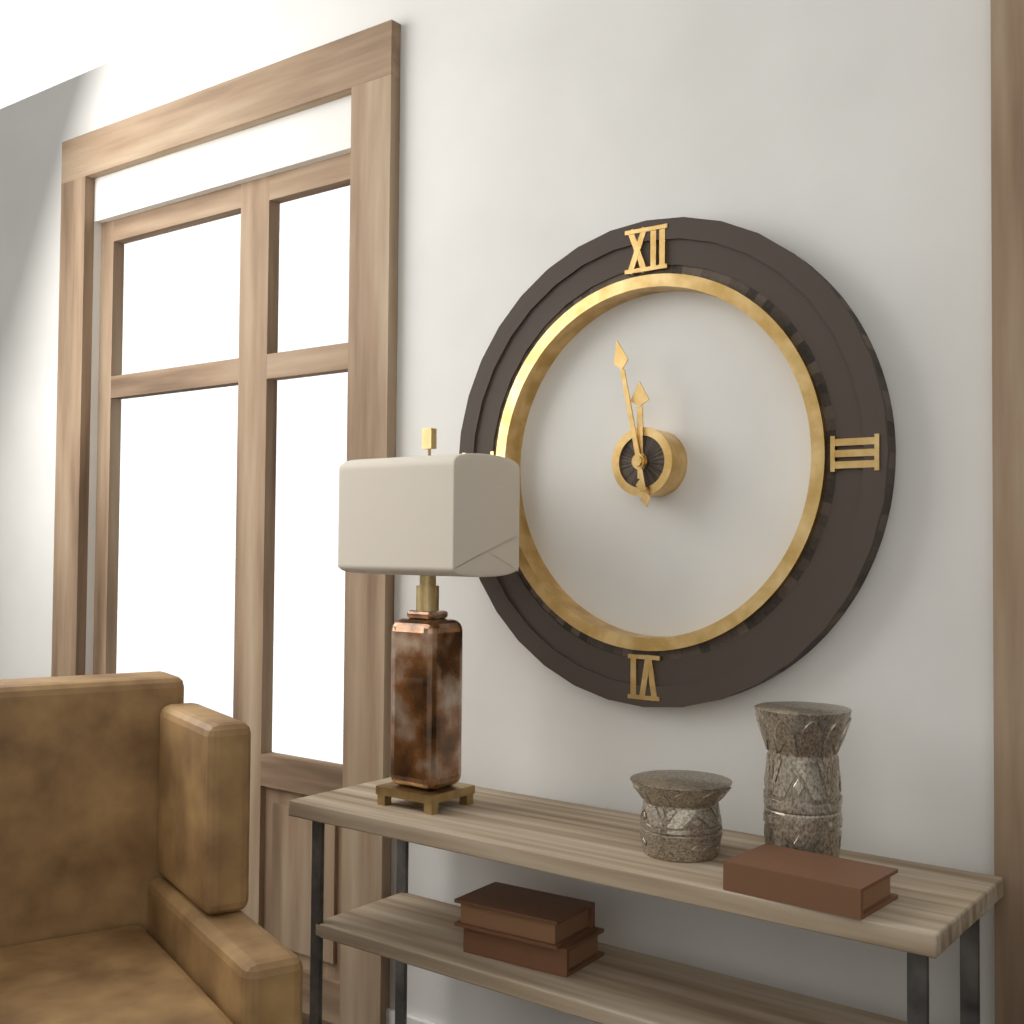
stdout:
11,58
